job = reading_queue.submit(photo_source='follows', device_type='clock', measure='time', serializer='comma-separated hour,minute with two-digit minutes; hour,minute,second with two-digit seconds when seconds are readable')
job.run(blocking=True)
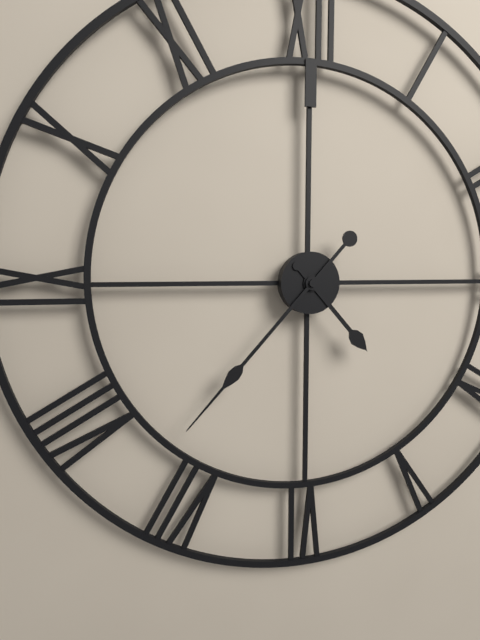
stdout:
4,37
